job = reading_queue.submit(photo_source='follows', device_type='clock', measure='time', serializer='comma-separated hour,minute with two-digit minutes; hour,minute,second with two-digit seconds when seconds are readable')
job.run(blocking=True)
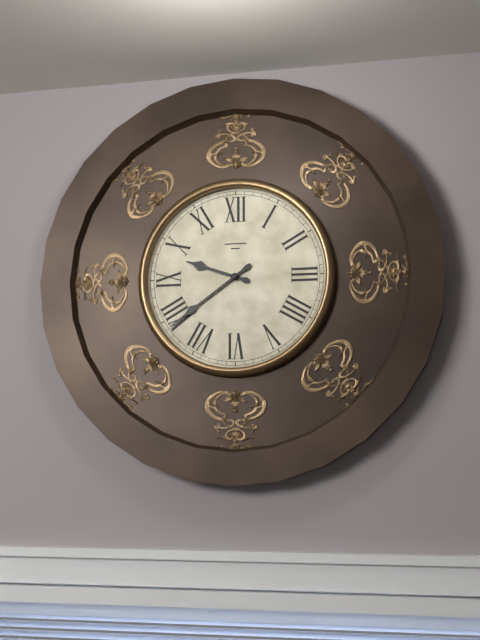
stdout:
9,39
